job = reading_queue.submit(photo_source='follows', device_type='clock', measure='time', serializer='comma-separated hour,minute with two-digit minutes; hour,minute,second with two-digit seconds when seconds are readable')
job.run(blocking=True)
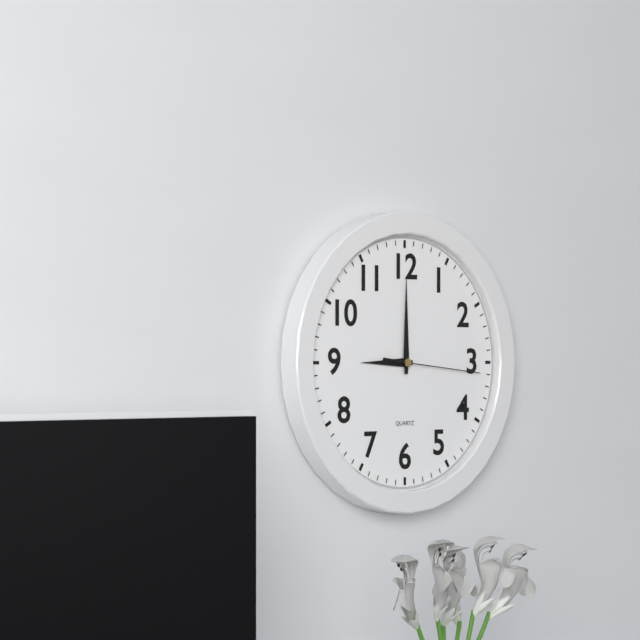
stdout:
9,00,16
